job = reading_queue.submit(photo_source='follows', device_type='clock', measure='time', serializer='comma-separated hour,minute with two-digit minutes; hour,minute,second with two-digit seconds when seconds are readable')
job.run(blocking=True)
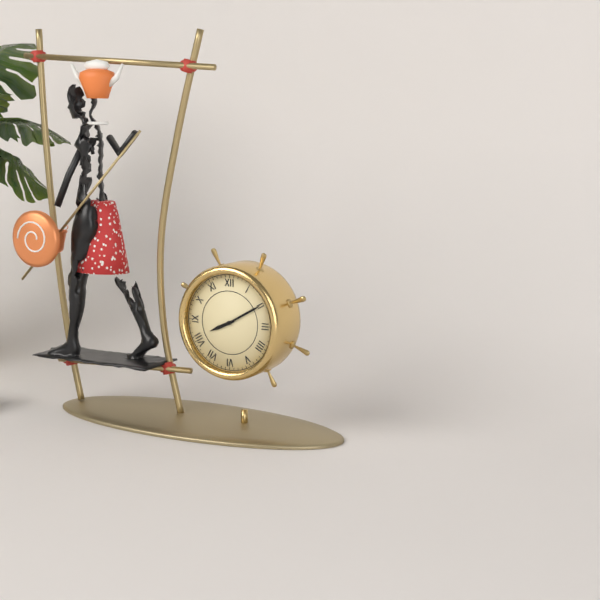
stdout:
8,10
